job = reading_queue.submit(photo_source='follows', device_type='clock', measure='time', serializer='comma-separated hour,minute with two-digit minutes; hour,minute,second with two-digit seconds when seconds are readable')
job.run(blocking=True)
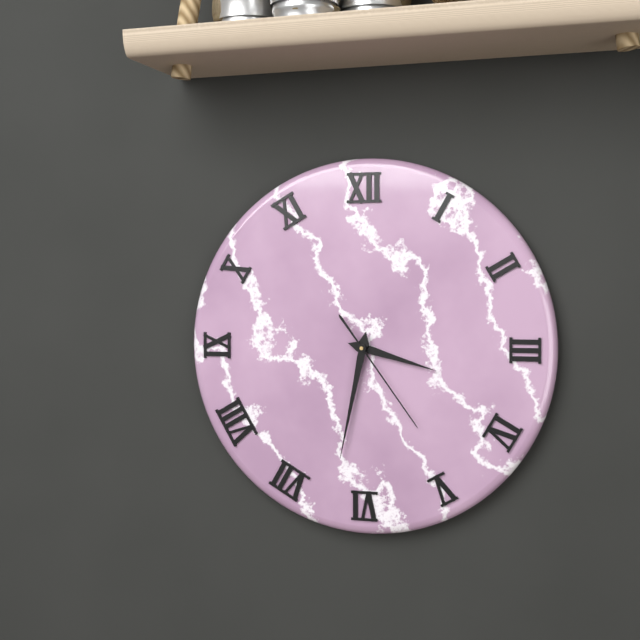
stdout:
3,32,24
